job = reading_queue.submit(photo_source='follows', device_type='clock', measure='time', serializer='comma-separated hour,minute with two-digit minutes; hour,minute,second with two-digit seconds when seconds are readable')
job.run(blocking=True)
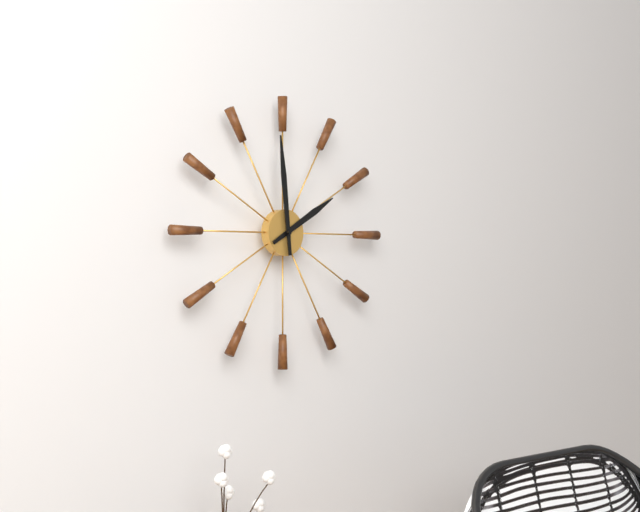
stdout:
1,59
